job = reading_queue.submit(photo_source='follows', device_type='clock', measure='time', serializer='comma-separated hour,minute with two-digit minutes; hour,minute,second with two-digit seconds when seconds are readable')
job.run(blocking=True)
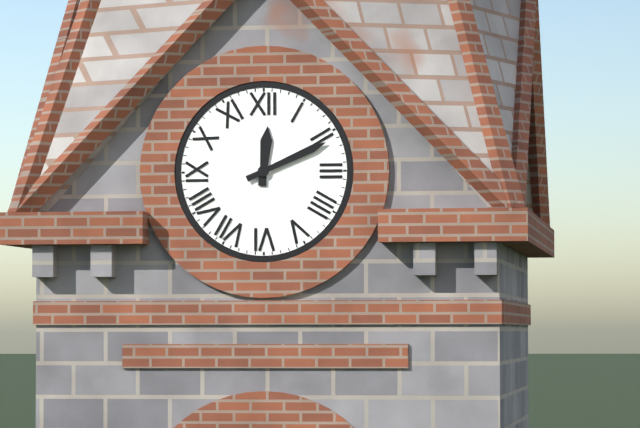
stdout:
12,11
